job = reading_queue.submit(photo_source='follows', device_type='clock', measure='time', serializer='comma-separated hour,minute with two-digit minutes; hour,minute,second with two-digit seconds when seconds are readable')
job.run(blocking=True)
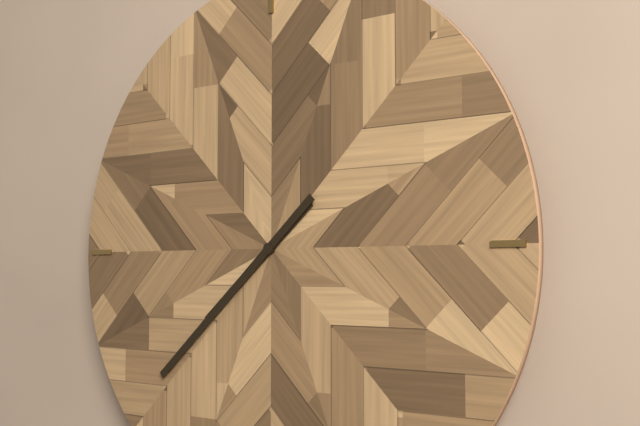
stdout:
7,38
